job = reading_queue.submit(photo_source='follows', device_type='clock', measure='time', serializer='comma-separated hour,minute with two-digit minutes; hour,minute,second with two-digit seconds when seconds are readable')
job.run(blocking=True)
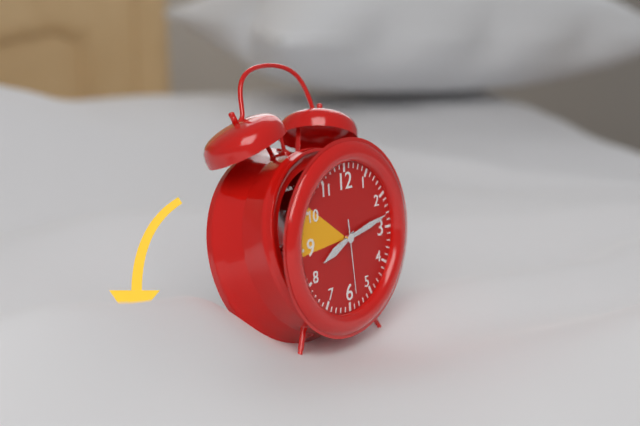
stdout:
8,13,29
